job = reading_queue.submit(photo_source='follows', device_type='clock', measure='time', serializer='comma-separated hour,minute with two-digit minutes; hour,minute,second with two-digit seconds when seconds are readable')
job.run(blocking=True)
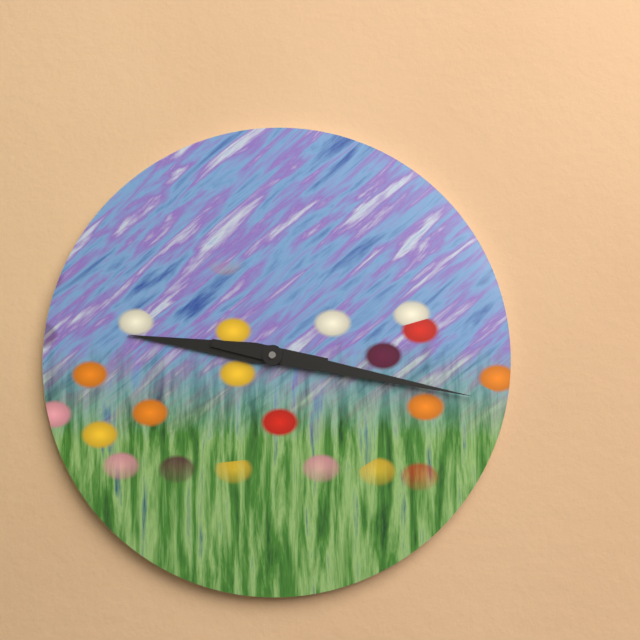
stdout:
9,17
